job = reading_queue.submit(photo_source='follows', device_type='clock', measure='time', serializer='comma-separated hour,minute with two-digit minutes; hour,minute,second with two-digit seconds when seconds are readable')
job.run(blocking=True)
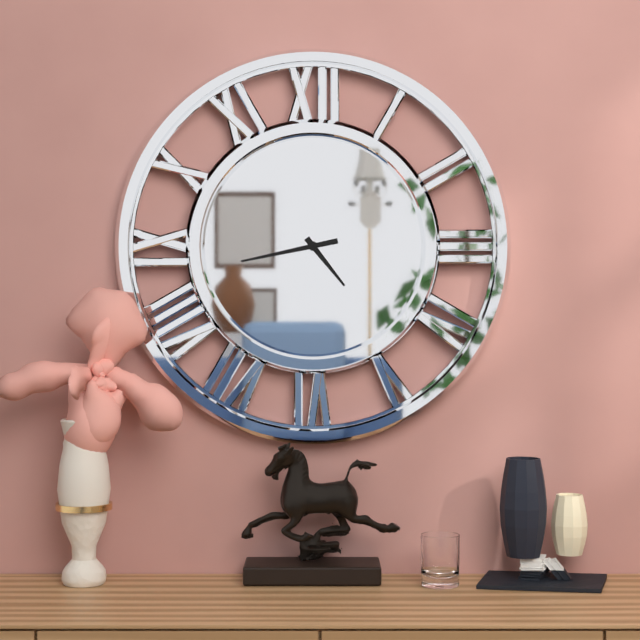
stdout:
4,43
